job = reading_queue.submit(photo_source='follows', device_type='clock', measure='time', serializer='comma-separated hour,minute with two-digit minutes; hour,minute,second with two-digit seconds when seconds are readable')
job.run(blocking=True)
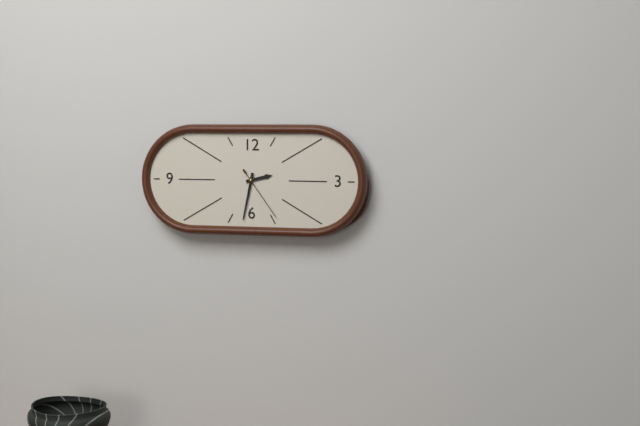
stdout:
2,32,24
